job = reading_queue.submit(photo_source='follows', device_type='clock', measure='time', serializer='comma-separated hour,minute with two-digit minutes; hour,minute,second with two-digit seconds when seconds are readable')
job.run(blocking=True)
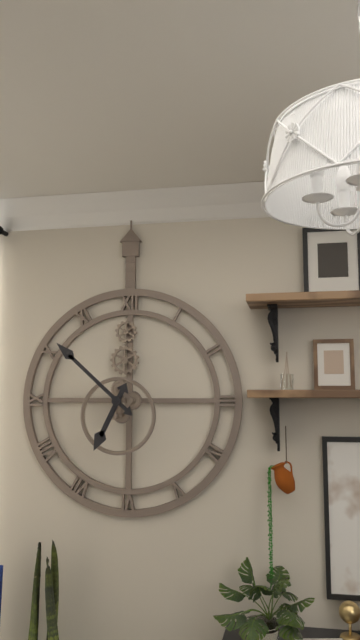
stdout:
6,52
